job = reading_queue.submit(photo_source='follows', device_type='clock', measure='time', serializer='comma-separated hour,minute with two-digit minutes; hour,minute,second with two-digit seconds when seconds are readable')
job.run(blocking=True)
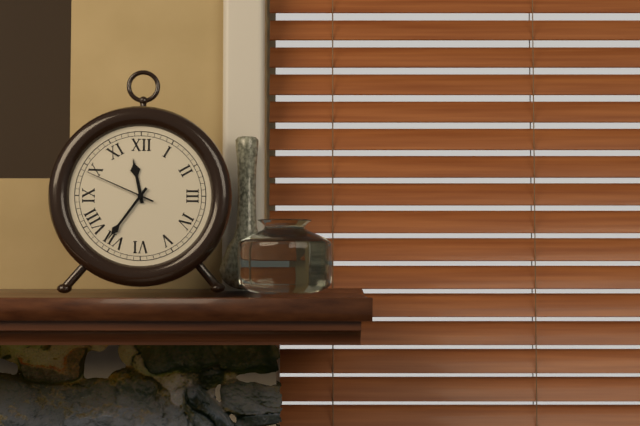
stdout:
11,36,49
